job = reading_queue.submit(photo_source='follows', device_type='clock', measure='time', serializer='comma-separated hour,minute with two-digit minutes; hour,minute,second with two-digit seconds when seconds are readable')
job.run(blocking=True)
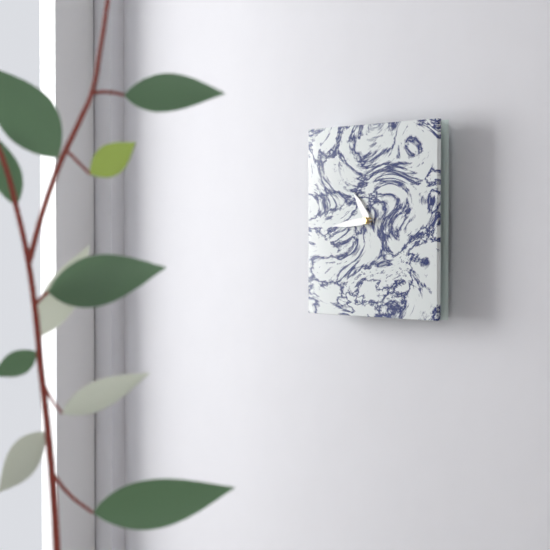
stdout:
10,44
